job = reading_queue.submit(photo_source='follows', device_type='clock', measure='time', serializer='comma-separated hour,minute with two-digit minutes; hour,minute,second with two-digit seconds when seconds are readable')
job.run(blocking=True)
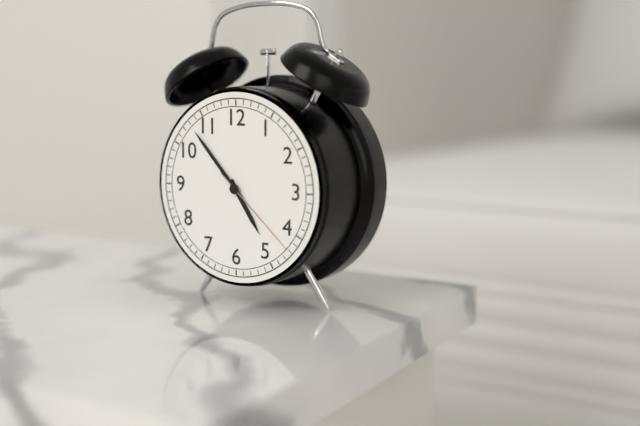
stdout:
4,53,22
